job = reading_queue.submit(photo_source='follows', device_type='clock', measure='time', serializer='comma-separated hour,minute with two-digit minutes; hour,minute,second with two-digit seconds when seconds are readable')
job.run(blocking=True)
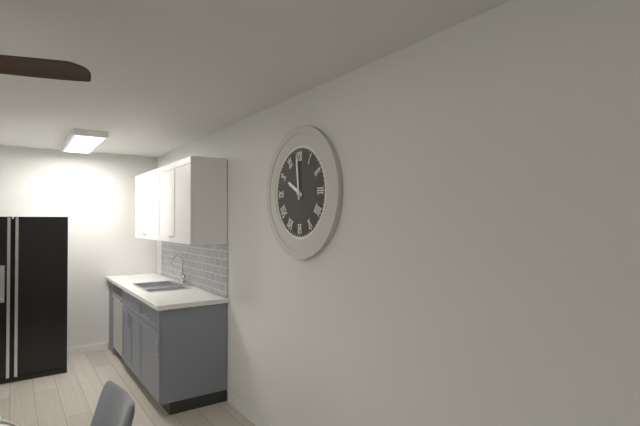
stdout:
9,59
